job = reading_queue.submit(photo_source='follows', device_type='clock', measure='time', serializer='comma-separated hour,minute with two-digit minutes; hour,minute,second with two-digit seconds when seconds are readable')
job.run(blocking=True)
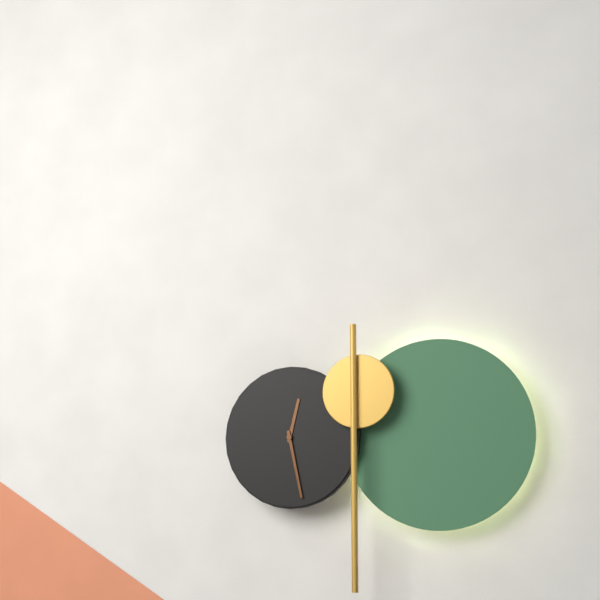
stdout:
12,28
